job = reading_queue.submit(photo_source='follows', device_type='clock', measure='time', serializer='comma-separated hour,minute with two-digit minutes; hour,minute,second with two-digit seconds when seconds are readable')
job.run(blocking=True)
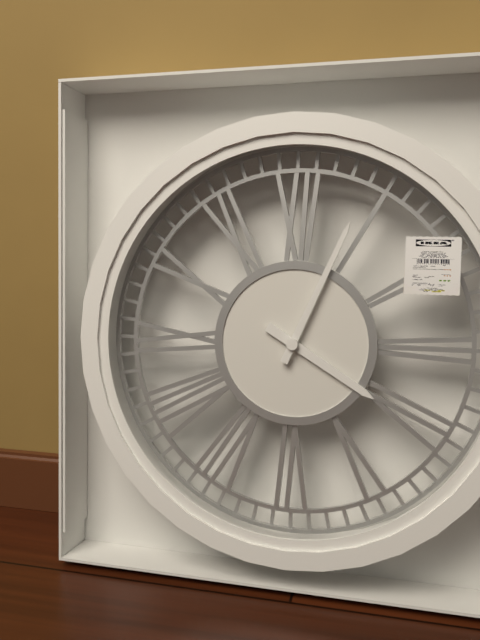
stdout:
4,04
